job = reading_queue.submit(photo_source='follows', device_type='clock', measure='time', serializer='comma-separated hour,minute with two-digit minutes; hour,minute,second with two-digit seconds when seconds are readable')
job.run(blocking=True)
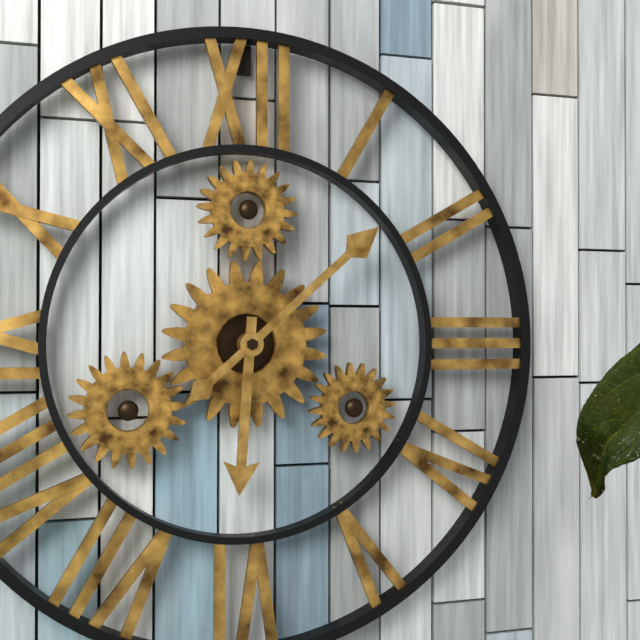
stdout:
6,08
